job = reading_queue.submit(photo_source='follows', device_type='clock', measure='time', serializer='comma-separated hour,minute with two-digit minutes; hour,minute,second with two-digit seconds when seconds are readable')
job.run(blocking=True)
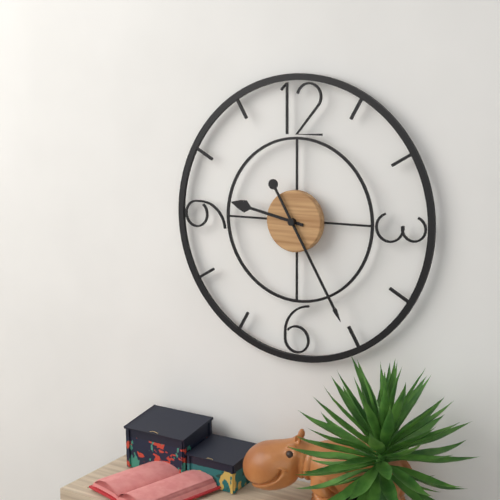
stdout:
9,25
